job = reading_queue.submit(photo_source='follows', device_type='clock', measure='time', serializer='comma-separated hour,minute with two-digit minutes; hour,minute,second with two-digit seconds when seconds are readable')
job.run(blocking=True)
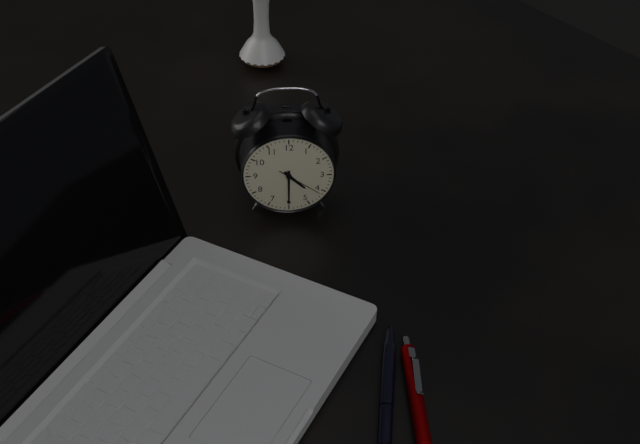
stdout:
4,30,21
